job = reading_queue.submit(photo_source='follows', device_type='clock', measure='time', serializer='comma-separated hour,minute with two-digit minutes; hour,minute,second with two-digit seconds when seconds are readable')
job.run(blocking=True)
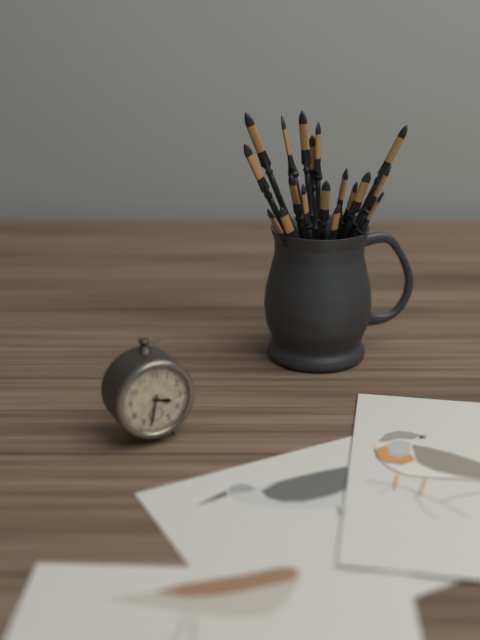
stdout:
3,32
